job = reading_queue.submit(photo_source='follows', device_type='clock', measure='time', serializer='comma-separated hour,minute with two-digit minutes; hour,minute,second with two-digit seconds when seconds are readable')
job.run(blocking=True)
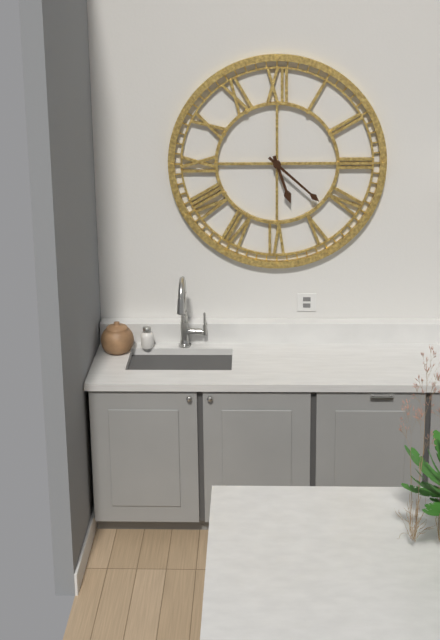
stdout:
5,22
